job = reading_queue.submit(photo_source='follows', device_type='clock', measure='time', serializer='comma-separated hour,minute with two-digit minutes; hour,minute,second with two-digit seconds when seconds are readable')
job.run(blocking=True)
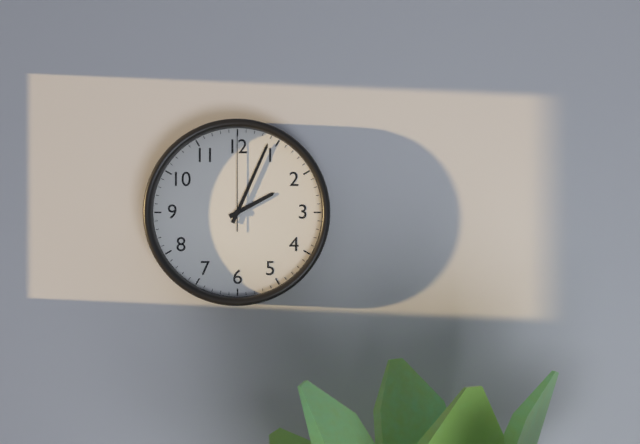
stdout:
2,04,00
